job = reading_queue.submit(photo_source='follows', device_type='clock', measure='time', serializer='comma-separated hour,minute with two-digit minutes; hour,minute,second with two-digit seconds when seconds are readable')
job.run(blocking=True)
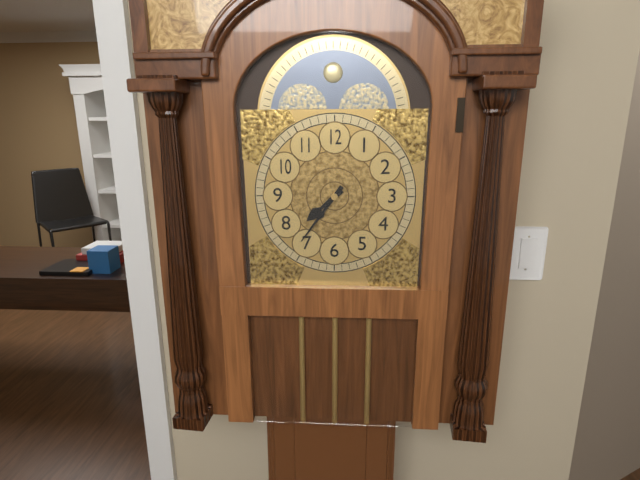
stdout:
7,36
